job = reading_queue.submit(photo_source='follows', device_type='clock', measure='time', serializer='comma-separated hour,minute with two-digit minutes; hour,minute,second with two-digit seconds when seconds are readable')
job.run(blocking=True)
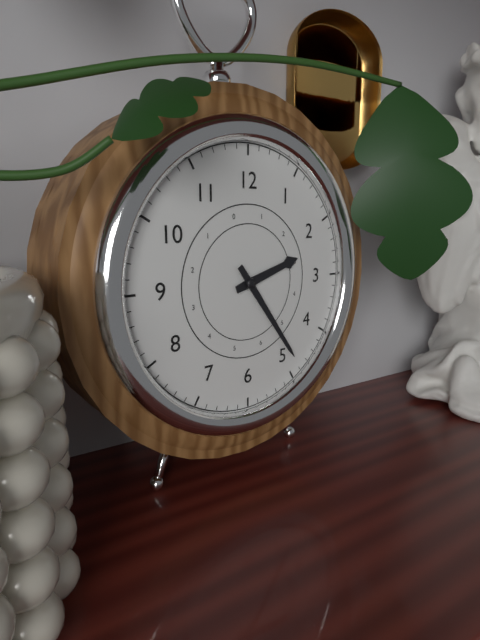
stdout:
2,24
